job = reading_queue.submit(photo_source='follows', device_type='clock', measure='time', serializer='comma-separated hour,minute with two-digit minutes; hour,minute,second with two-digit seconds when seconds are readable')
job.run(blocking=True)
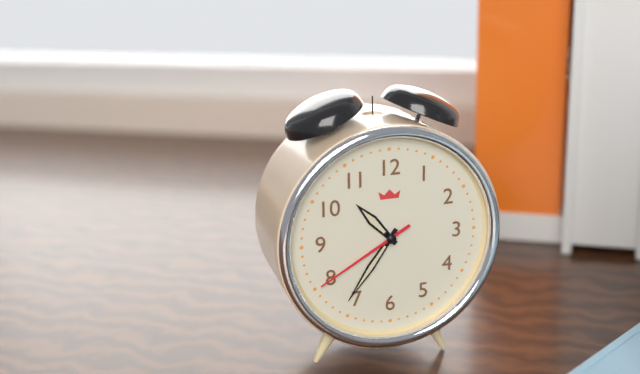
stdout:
10,36,40
